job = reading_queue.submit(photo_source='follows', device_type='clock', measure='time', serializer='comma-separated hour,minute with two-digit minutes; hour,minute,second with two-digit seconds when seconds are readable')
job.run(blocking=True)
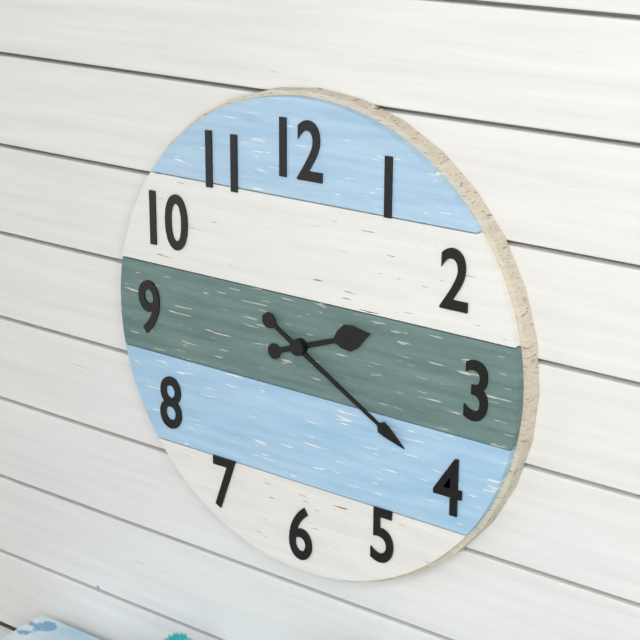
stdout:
2,20
